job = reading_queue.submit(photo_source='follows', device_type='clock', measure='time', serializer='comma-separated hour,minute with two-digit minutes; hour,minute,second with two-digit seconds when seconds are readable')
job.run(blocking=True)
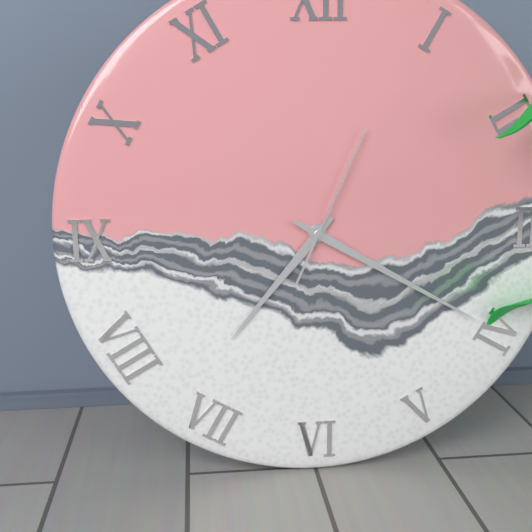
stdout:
7,20,04
